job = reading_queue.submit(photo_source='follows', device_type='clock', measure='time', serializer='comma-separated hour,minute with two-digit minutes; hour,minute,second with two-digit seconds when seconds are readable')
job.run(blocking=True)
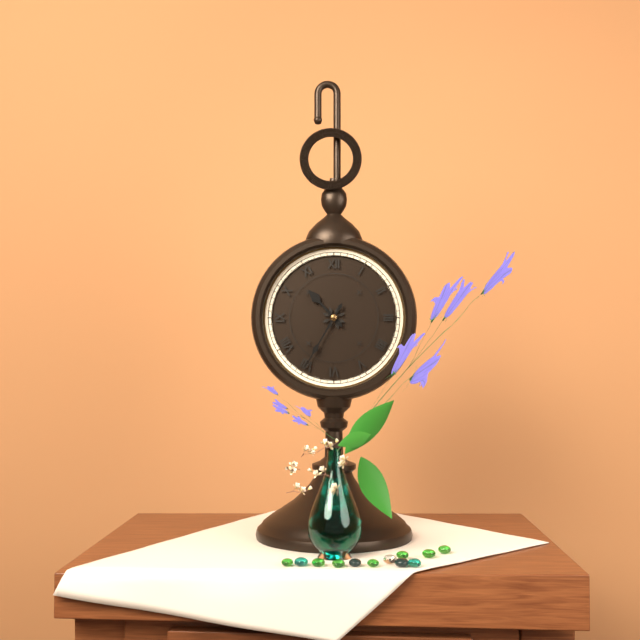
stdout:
10,35
